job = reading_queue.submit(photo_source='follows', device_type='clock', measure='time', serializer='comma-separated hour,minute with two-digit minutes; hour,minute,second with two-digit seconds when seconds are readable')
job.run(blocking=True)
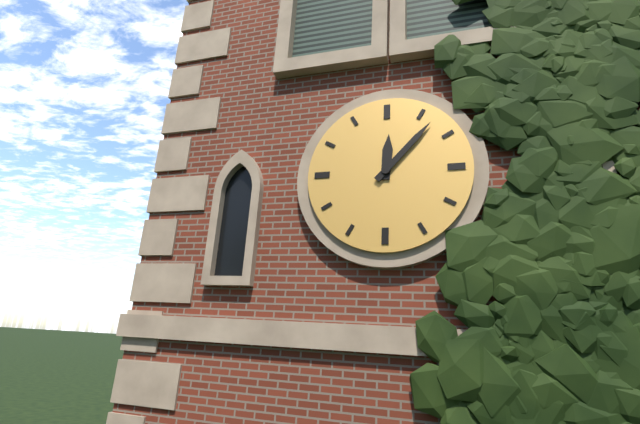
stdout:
12,07
